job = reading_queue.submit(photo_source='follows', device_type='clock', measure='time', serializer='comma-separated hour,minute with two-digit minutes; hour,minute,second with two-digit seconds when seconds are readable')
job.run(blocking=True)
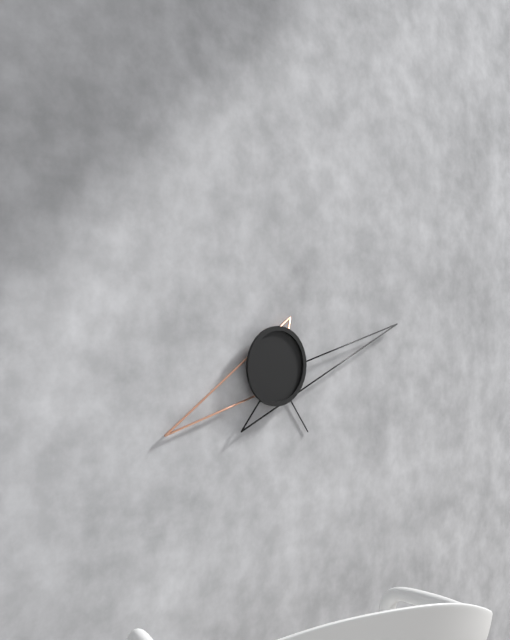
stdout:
8,13,24
